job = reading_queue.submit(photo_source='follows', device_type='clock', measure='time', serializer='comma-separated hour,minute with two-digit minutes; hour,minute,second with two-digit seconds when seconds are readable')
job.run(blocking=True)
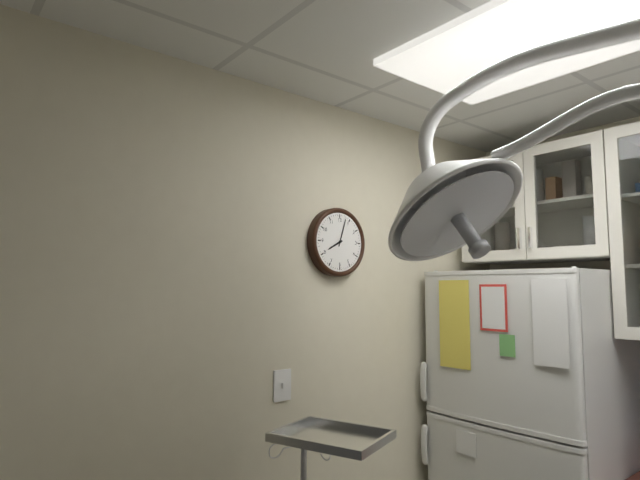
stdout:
8,03
